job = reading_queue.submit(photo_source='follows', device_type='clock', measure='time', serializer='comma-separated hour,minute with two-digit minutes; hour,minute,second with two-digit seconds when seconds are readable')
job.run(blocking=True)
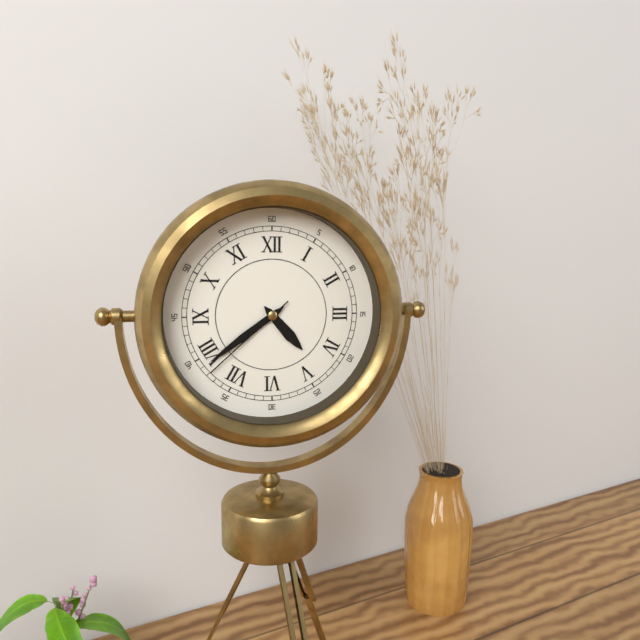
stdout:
4,39,38
